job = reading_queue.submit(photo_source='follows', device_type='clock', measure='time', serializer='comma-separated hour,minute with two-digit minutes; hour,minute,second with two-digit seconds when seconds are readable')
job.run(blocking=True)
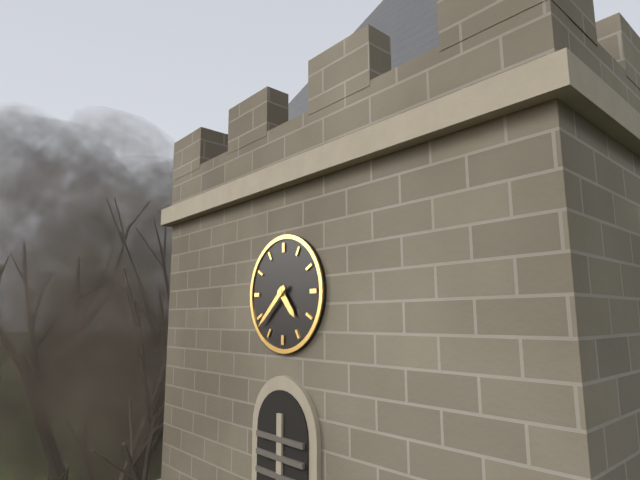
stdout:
4,38
